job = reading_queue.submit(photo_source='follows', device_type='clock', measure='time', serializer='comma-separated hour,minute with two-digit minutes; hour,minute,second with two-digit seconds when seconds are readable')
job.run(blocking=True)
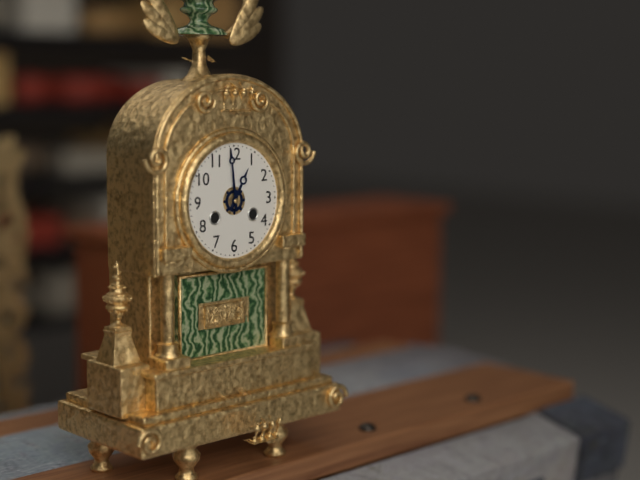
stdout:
12,59
